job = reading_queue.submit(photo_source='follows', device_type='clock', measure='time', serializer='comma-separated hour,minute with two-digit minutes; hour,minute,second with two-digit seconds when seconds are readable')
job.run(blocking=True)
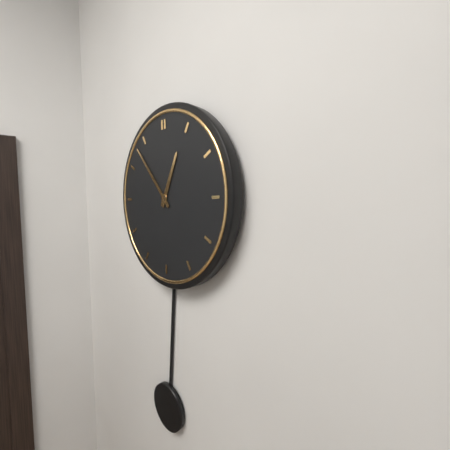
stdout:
12,53
